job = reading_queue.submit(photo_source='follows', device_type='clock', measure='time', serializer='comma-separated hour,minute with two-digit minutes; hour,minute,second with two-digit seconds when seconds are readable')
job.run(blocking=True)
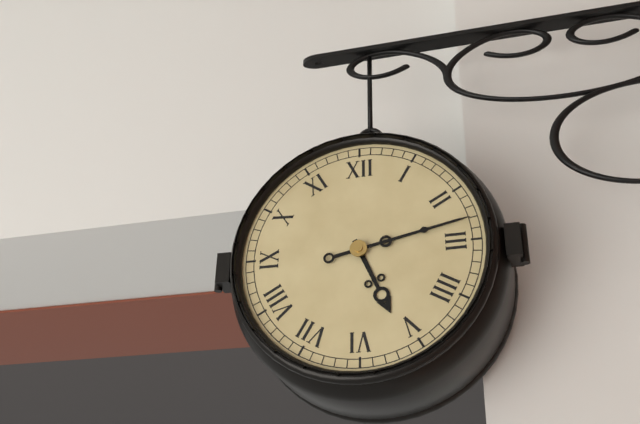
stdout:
5,13
